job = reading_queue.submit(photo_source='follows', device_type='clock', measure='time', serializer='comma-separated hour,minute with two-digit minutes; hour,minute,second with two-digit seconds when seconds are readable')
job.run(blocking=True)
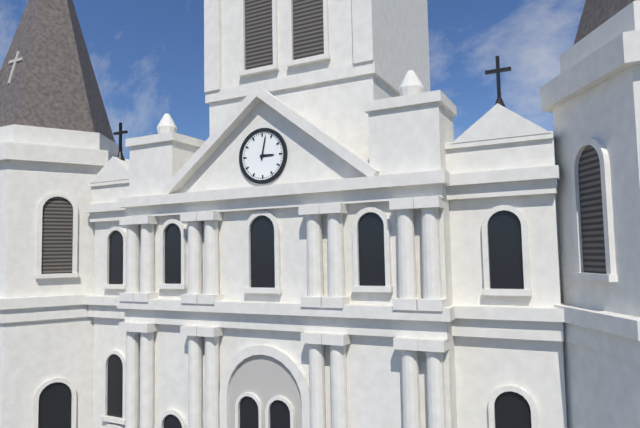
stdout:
3,02
